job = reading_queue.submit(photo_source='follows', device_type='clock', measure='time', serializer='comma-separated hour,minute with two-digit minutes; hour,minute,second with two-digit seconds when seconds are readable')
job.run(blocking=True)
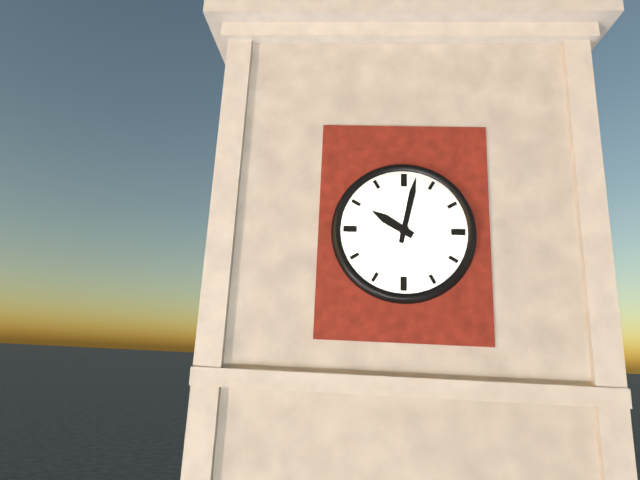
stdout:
10,02
